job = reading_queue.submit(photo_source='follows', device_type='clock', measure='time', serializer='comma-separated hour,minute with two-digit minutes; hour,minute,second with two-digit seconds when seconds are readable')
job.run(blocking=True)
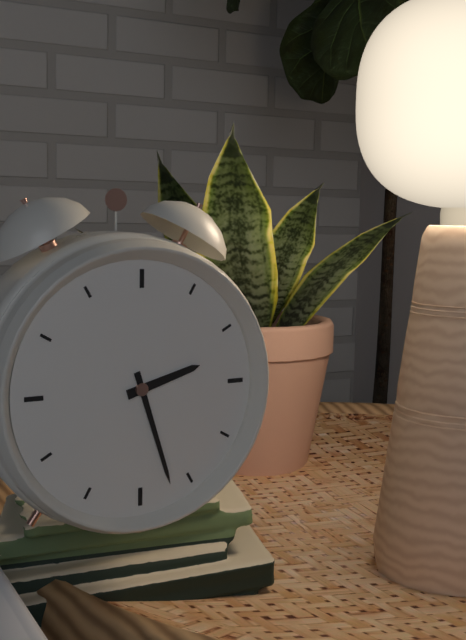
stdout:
2,27
